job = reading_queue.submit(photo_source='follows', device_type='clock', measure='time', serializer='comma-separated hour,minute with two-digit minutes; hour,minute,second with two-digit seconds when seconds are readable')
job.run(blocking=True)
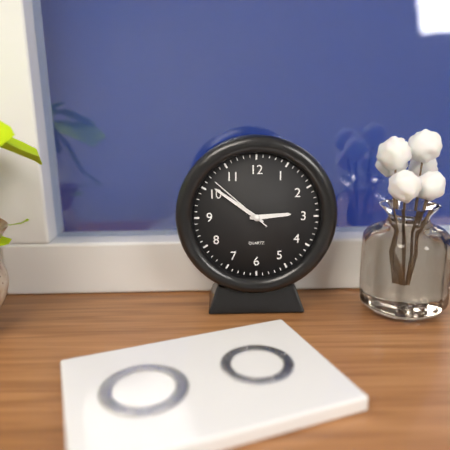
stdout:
2,51,52
